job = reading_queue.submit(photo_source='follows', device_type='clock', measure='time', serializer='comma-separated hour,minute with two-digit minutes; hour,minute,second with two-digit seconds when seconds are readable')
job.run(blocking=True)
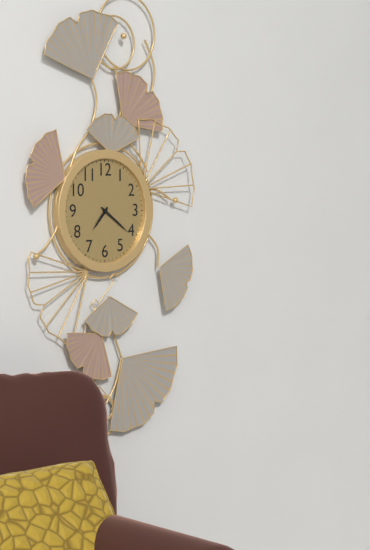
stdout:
7,21
